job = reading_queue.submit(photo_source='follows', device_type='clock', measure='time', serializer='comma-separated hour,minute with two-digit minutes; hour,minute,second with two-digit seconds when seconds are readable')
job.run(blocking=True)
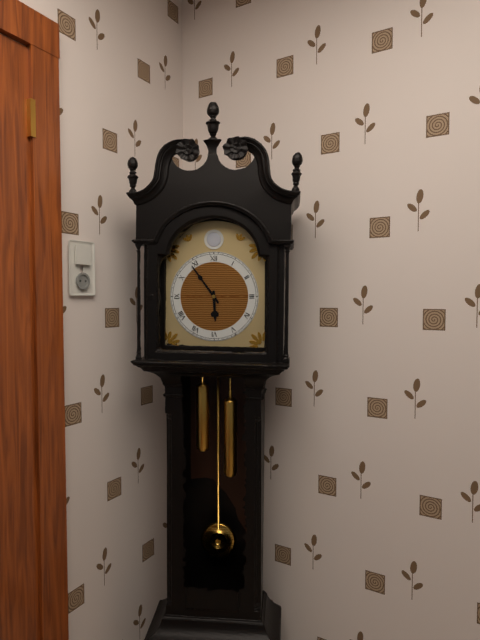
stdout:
5,54
